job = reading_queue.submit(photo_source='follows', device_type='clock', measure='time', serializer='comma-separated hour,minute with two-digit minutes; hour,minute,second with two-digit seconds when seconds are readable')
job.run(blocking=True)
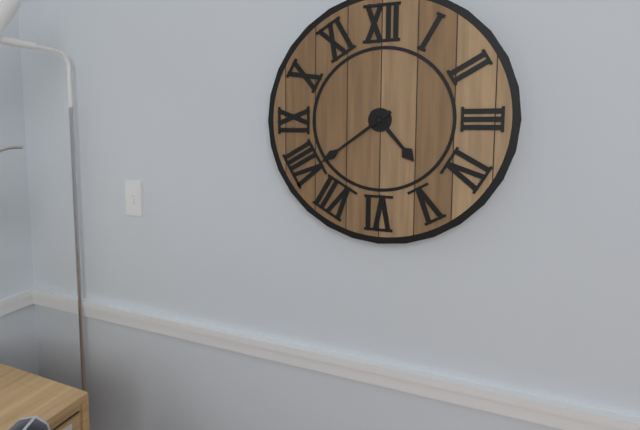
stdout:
4,39
